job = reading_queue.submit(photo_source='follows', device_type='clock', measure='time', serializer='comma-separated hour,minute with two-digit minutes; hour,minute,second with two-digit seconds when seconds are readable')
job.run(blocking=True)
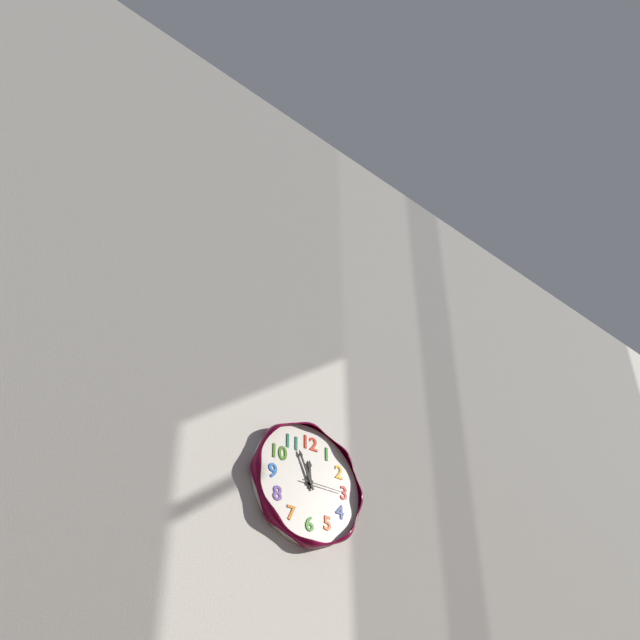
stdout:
11,56
